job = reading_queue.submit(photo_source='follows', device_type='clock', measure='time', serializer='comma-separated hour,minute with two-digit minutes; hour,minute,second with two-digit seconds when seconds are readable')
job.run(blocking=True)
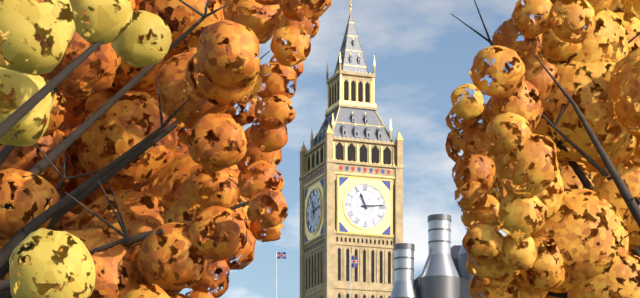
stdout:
11,14
